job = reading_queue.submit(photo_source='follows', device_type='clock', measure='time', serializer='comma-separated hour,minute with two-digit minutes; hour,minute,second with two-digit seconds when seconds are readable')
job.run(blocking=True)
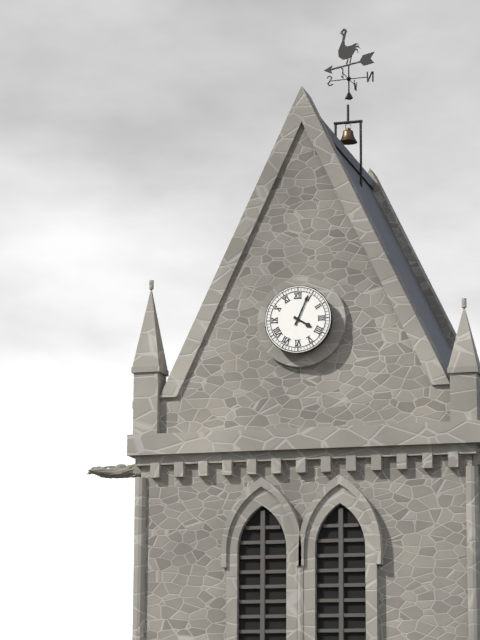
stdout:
4,04
